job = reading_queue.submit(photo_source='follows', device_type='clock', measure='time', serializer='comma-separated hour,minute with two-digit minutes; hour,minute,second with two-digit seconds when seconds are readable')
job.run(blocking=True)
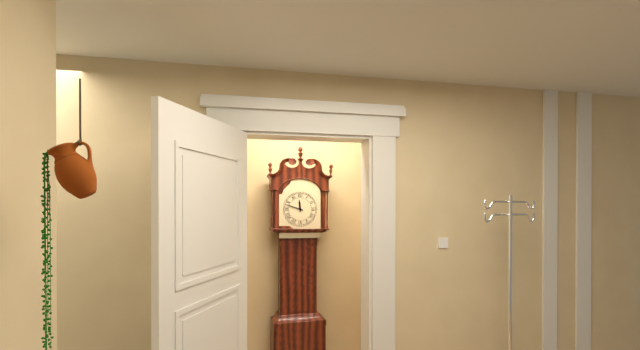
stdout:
11,48
